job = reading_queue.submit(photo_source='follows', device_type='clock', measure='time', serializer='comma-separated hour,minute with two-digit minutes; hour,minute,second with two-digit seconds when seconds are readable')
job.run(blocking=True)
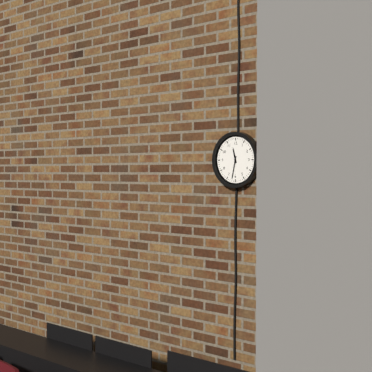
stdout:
11,32
